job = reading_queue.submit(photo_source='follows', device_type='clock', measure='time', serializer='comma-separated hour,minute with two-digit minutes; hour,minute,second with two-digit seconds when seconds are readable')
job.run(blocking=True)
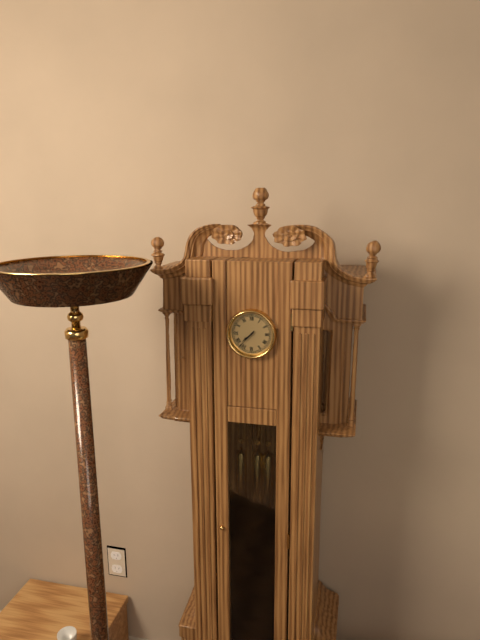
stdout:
7,37
